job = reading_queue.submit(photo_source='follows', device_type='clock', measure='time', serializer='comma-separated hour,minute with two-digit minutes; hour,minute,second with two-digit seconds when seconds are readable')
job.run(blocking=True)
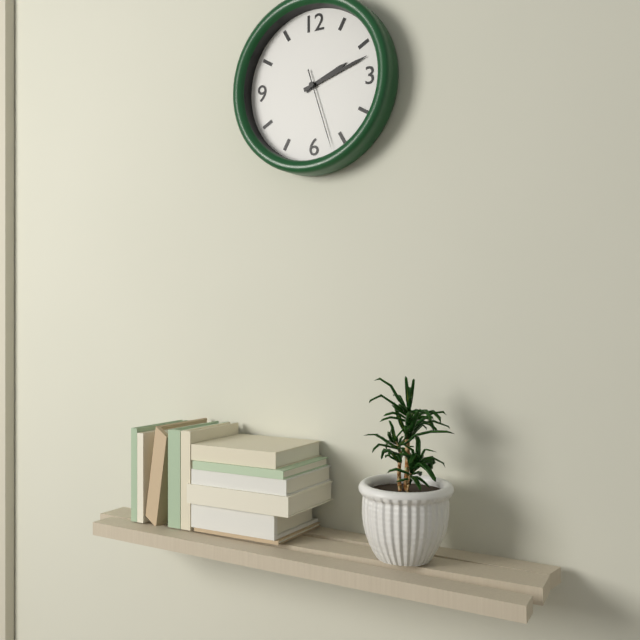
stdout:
2,12,27
